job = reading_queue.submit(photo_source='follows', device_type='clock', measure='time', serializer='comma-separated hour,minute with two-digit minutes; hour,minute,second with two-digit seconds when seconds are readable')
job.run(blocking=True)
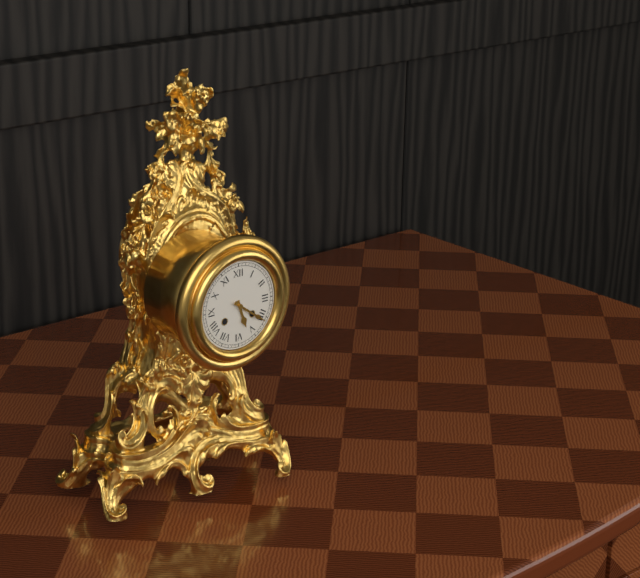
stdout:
5,21
